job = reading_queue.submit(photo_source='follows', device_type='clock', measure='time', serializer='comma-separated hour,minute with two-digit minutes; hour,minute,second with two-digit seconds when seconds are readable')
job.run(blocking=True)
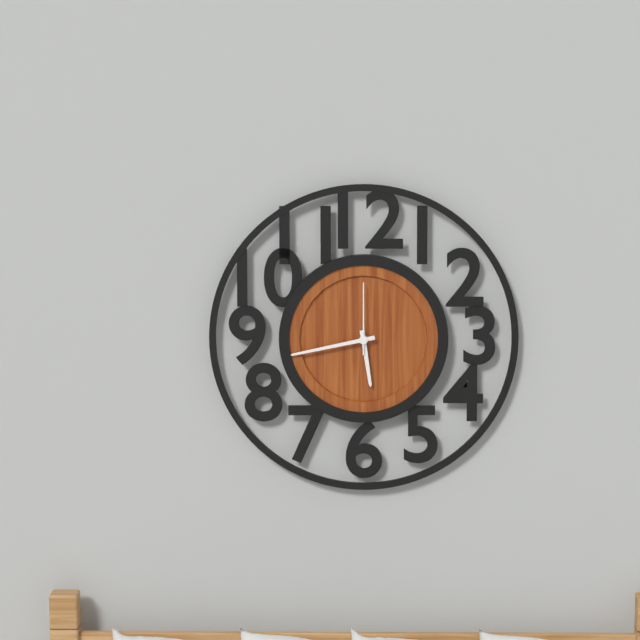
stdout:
5,43,00
